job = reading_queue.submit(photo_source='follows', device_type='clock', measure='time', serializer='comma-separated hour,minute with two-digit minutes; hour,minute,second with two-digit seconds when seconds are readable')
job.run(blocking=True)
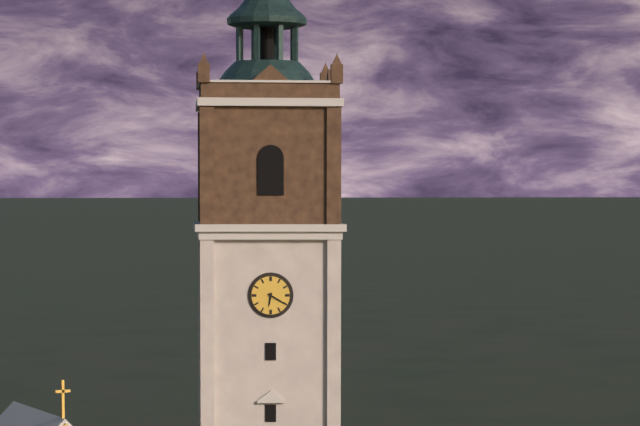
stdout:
6,20
